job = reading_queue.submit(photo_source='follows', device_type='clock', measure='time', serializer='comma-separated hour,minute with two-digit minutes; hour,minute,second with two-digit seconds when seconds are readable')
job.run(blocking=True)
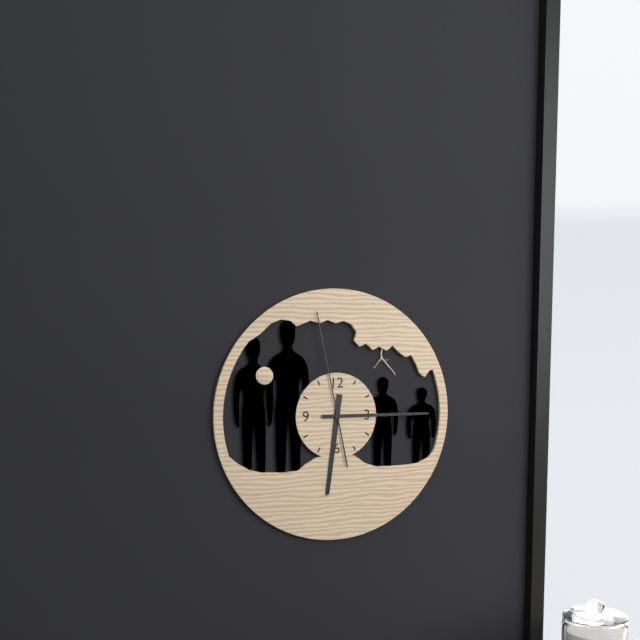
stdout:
6,15,58
